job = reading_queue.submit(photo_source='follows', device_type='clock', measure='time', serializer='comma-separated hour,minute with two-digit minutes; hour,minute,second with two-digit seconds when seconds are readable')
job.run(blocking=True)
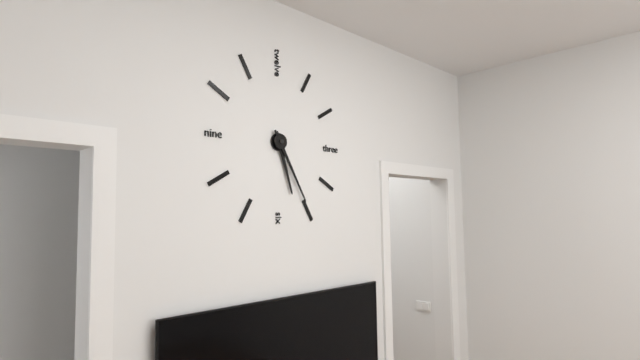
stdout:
5,25
